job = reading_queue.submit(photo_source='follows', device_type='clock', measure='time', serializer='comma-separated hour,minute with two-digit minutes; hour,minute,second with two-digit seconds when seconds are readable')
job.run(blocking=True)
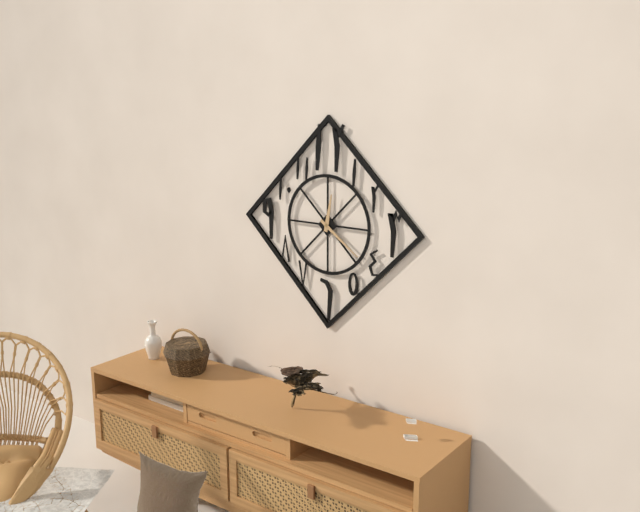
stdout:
12,21
